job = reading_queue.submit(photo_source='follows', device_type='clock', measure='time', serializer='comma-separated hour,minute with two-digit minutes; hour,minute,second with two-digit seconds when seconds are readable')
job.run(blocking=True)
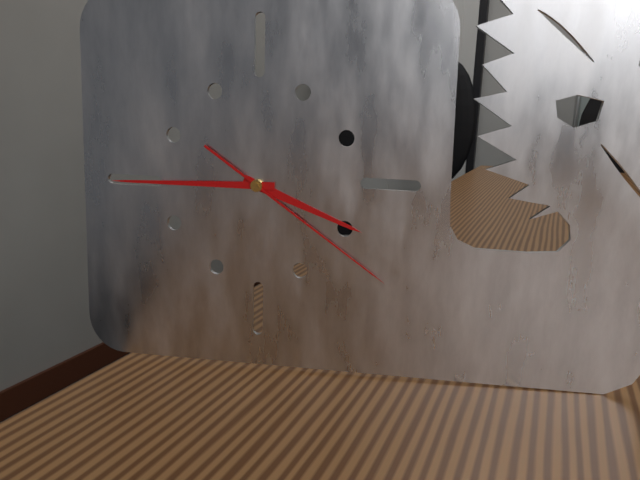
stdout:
3,45,21
